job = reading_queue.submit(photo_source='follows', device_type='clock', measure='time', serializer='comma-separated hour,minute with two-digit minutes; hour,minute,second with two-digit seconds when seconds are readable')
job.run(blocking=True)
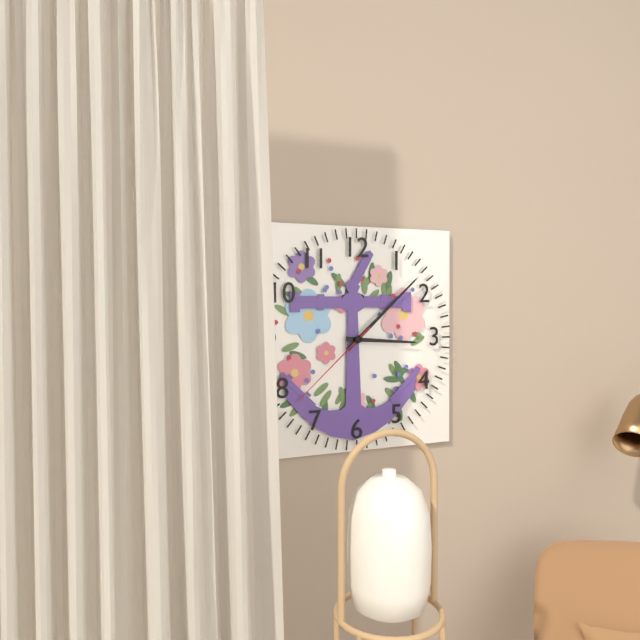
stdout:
3,08,38
